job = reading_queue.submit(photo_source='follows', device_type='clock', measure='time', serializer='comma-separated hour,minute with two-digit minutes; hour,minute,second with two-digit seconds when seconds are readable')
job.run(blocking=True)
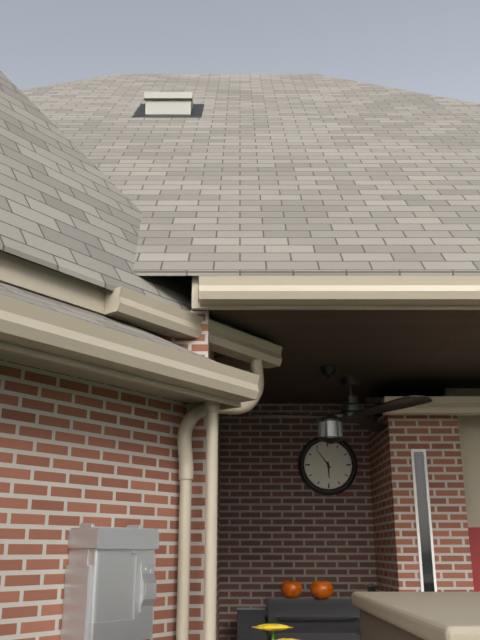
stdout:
5,54
